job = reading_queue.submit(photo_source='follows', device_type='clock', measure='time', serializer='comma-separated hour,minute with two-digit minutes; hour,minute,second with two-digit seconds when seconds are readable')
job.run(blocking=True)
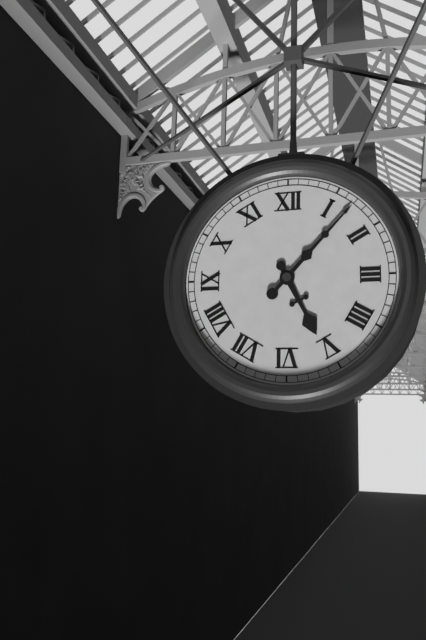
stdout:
5,07
